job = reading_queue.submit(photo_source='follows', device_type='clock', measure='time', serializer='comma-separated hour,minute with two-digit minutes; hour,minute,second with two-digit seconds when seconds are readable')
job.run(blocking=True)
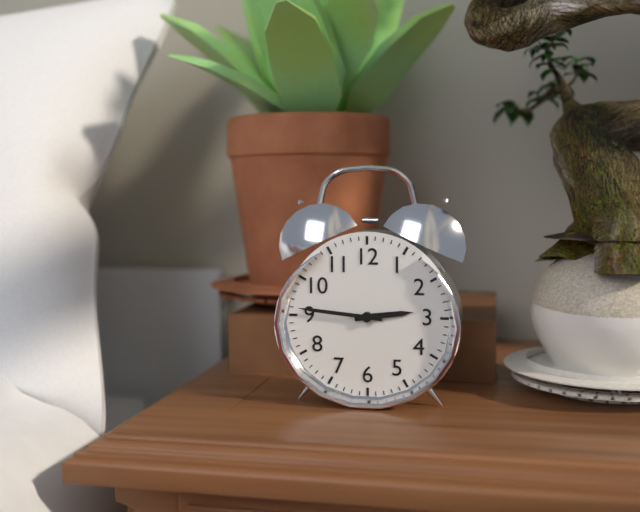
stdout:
2,46
